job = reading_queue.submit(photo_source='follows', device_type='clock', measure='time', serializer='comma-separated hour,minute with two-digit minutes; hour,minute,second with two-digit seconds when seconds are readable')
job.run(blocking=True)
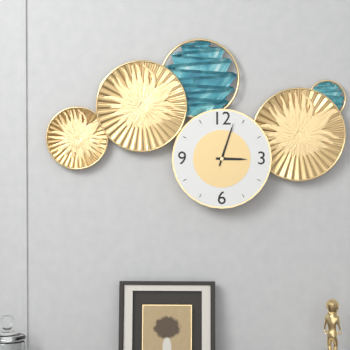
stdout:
3,03
